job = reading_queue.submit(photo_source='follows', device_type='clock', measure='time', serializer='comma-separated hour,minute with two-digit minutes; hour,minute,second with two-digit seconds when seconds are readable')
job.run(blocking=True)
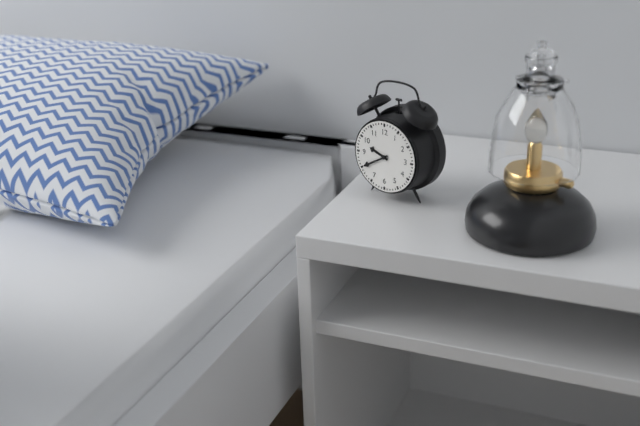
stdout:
9,40
